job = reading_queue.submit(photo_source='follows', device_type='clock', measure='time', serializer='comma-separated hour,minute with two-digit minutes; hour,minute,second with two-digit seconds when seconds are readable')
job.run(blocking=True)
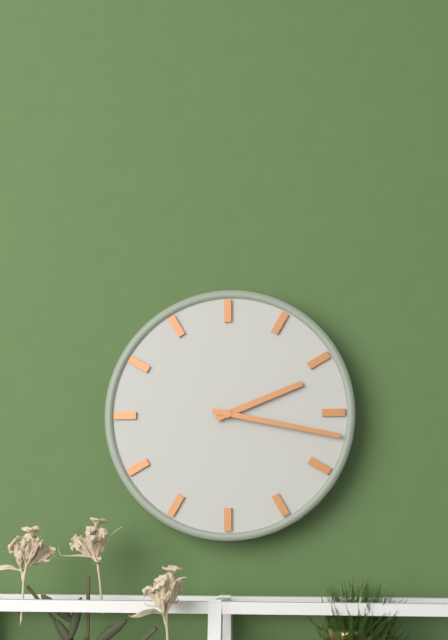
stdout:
2,17
